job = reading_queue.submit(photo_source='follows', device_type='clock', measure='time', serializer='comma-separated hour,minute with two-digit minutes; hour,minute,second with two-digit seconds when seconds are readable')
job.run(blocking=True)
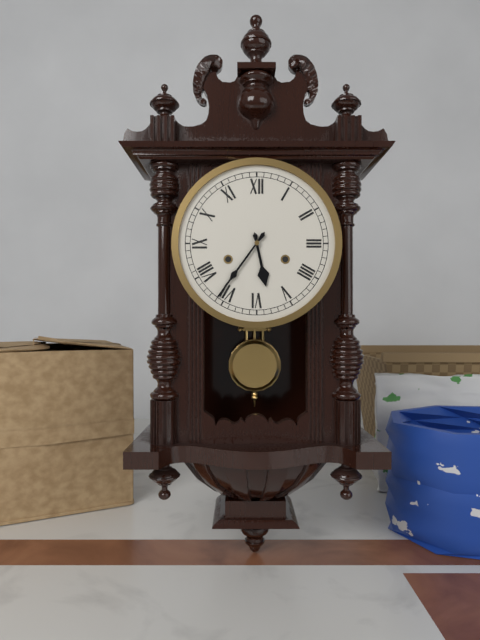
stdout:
5,36
